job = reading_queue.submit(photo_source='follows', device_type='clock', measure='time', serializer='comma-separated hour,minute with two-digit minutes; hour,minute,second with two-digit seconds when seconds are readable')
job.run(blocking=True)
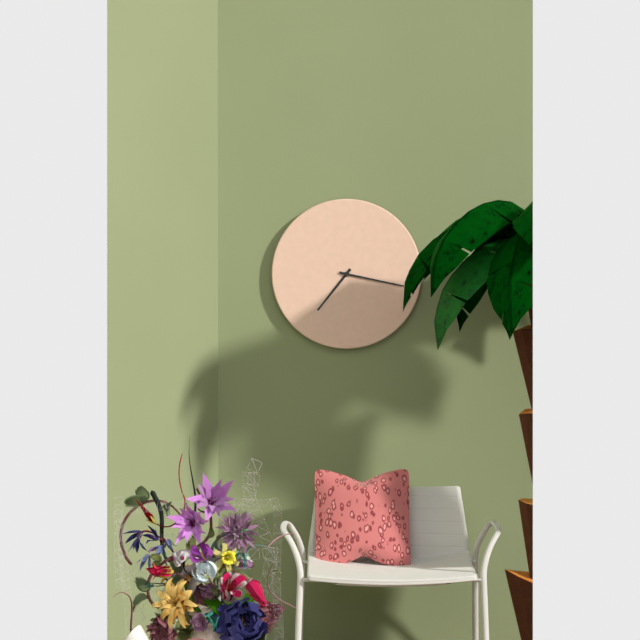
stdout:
7,17
